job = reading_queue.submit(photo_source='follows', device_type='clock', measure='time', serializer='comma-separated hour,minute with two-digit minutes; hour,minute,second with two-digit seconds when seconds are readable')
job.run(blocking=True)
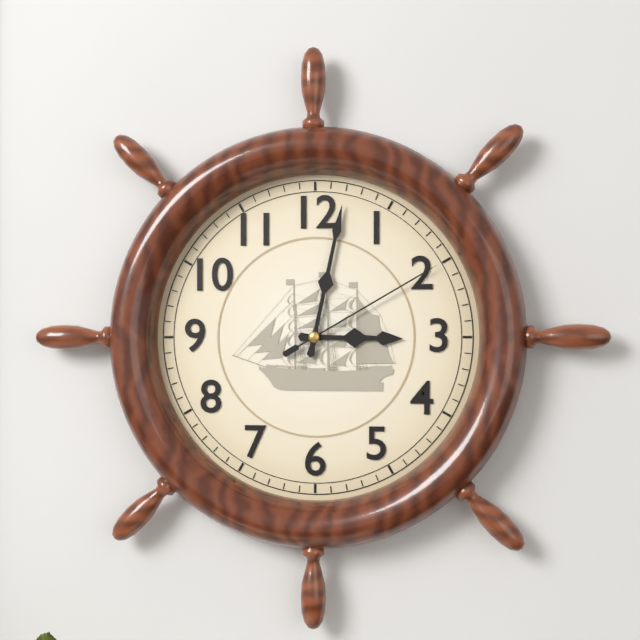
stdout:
3,02,10
